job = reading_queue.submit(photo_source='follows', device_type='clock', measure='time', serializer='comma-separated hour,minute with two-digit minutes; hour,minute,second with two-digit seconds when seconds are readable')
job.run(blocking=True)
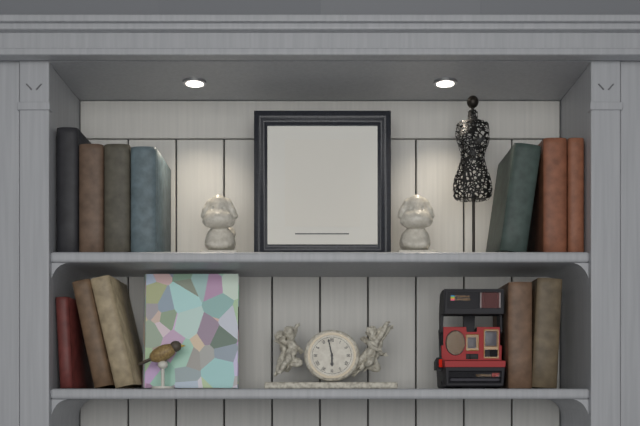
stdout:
5,58
